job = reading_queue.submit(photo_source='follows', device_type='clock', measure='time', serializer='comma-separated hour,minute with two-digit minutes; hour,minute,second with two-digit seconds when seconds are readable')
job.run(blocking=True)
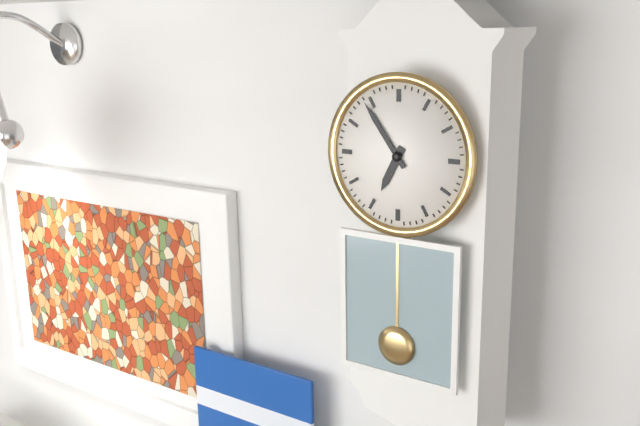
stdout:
6,54
